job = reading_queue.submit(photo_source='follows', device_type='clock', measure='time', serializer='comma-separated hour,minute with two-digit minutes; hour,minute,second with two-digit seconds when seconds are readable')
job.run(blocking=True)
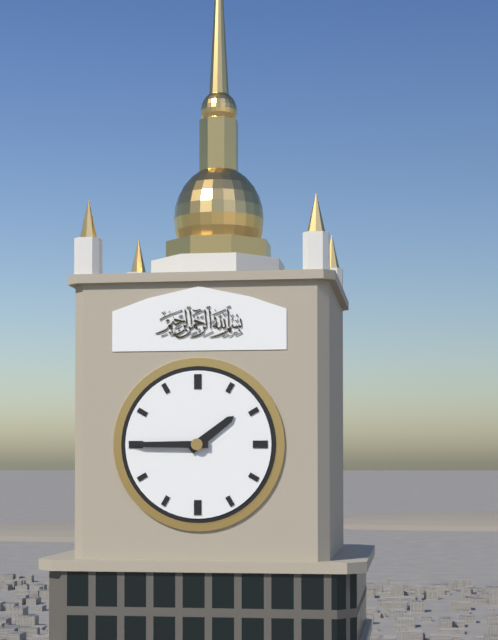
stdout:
1,45
